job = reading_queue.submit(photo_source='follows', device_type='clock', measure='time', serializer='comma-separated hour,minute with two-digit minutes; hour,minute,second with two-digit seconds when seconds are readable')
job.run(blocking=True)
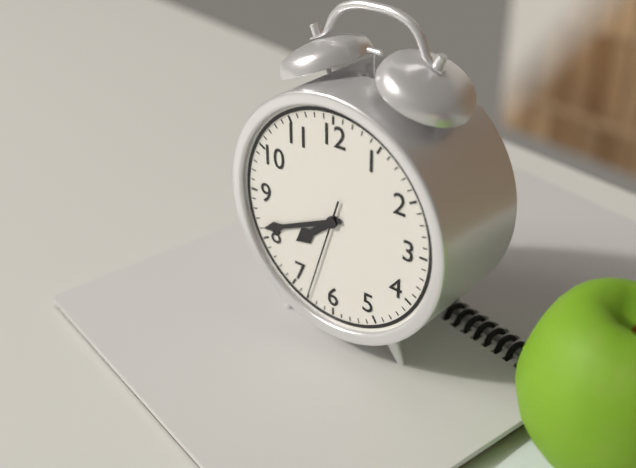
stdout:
7,41,33
